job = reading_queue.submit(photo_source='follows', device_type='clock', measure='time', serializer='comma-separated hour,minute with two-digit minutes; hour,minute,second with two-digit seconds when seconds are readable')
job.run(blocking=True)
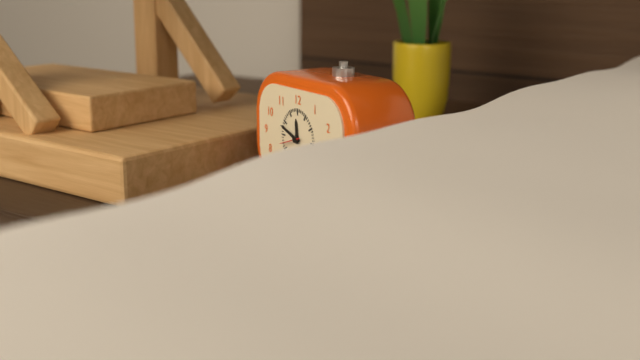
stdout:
11,48
